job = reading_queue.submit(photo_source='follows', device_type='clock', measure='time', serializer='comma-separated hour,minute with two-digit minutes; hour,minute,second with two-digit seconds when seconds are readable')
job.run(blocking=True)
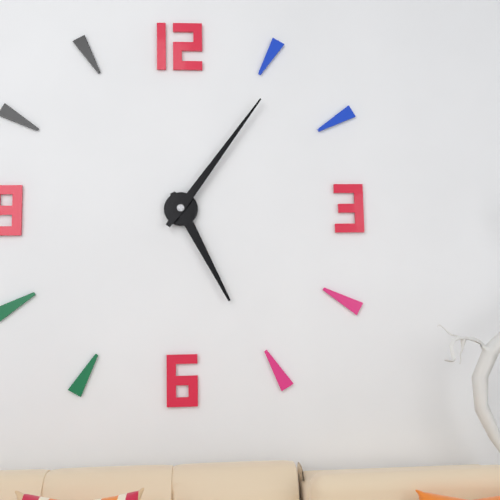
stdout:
5,06
